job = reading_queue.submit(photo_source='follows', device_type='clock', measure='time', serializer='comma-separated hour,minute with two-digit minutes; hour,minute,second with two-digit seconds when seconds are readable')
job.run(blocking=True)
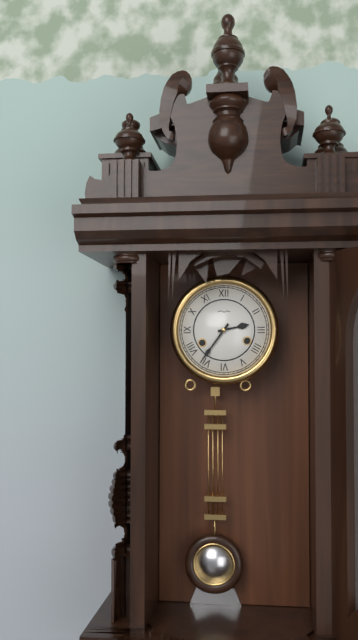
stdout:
2,36
